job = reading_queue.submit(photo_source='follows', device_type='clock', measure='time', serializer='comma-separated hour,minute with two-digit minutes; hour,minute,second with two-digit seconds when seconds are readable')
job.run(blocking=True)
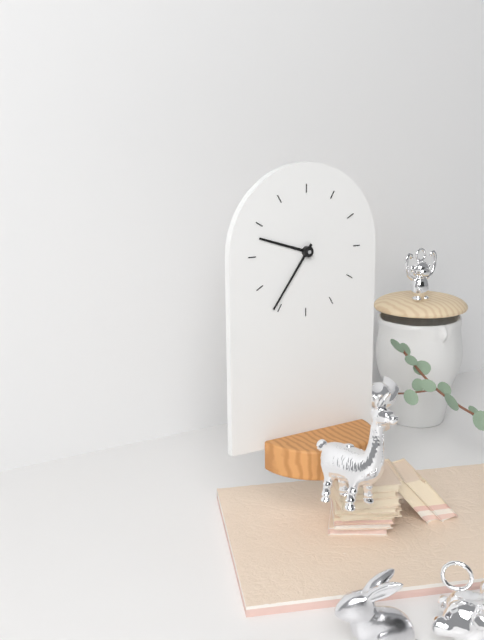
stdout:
9,36
